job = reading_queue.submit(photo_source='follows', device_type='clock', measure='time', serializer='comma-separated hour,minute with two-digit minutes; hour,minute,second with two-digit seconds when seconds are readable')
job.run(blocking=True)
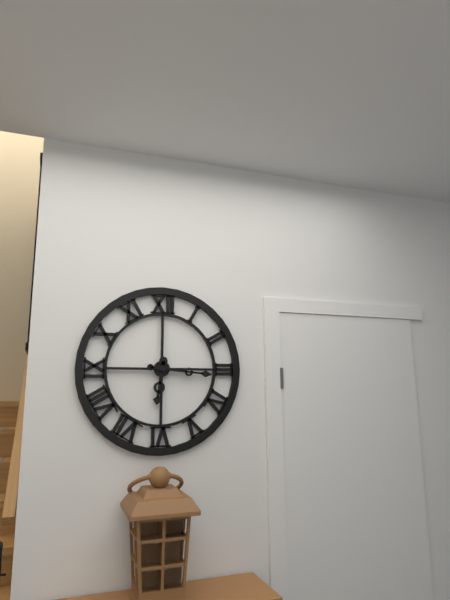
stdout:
6,16
